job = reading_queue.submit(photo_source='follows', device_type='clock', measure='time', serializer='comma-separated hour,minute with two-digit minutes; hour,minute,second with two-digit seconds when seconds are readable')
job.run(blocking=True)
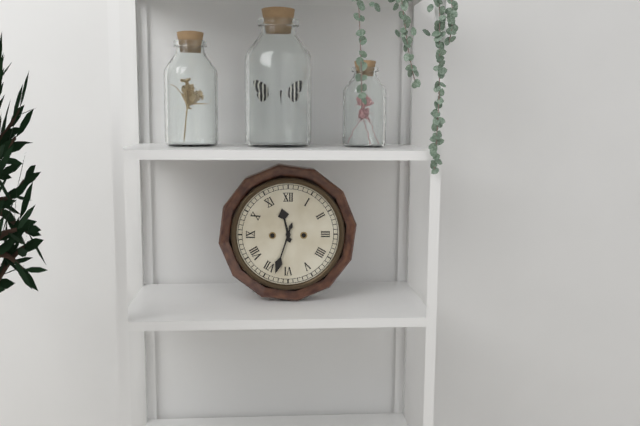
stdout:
11,33
